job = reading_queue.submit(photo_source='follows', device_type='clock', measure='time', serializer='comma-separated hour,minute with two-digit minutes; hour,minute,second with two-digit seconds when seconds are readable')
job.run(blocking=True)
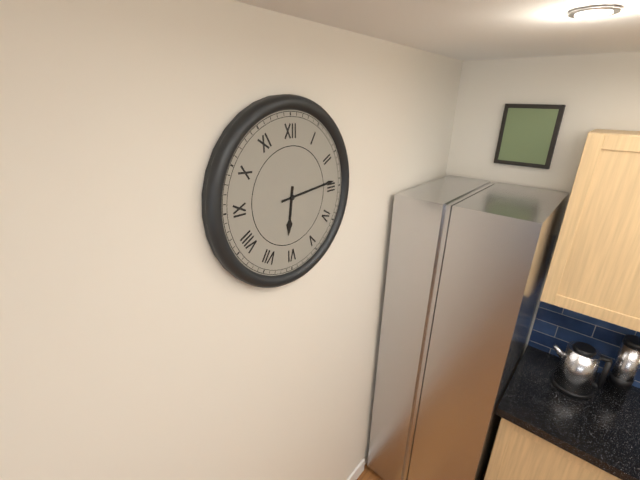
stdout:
6,14
